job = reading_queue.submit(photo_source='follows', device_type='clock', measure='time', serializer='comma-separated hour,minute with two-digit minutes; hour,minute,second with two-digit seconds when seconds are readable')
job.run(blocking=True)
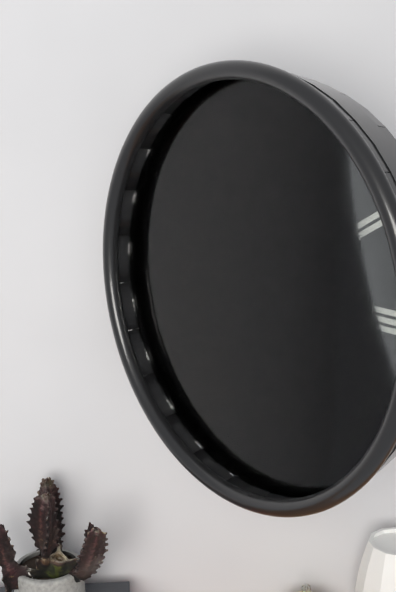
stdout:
7,42
